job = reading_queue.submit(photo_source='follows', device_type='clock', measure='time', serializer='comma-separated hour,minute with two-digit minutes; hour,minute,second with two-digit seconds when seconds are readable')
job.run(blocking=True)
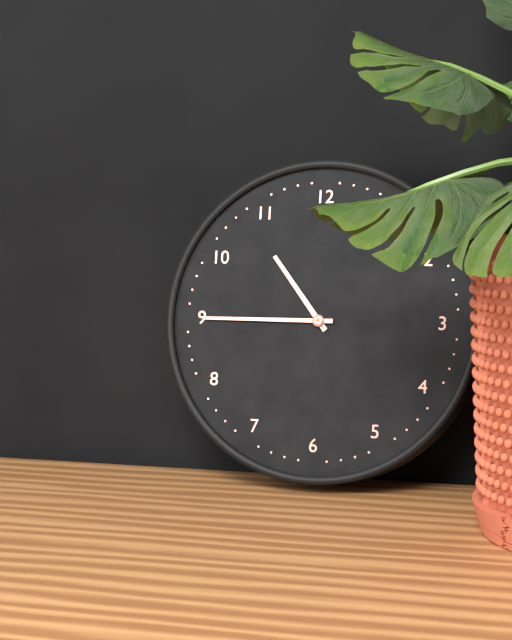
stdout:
10,45
